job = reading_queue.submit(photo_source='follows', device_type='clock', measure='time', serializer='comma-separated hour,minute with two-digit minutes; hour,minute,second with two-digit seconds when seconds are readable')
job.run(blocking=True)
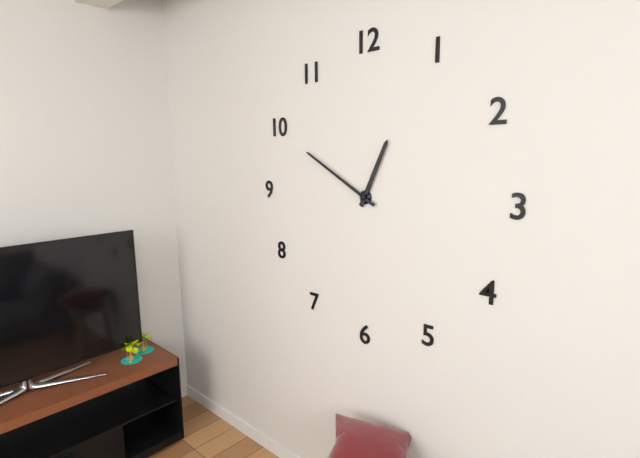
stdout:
12,50
